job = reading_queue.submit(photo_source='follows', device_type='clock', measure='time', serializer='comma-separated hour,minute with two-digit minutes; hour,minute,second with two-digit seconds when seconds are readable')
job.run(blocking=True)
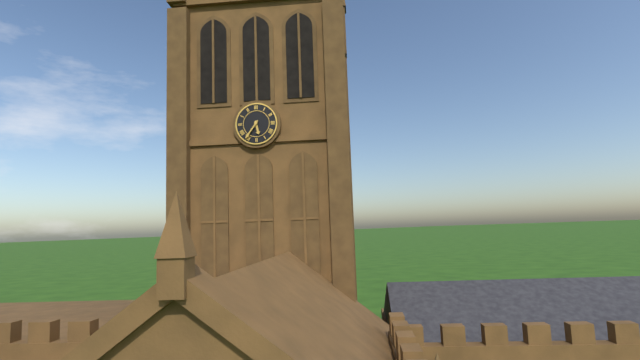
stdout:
5,36
